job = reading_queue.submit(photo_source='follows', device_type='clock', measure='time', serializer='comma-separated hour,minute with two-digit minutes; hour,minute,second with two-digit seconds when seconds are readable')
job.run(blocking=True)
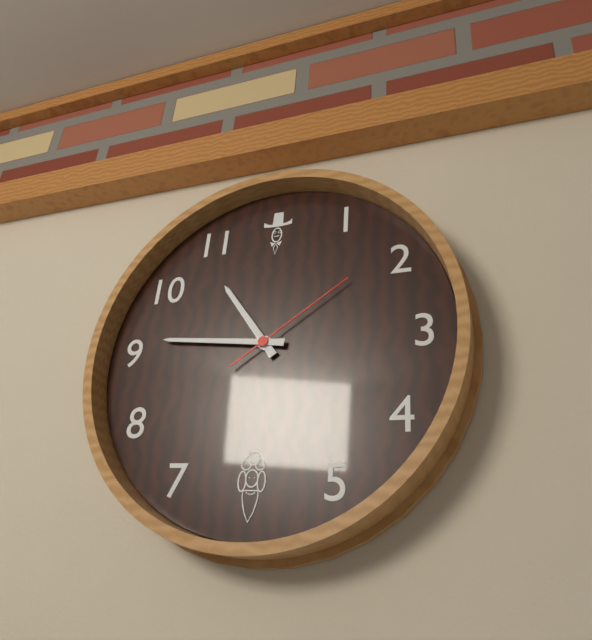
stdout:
10,46,09
